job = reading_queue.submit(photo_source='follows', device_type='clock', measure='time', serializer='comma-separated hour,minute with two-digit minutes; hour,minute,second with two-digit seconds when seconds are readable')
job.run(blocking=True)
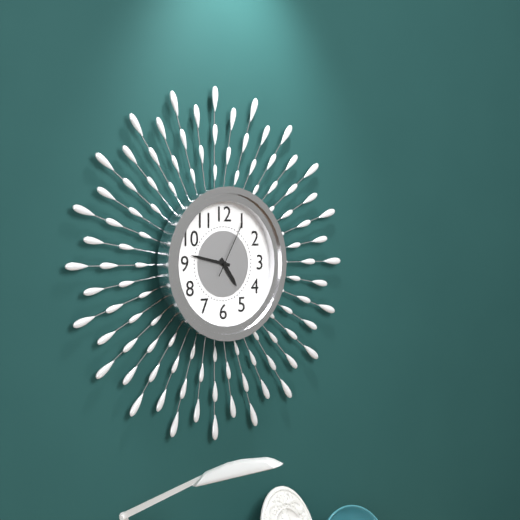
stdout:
4,47,05
